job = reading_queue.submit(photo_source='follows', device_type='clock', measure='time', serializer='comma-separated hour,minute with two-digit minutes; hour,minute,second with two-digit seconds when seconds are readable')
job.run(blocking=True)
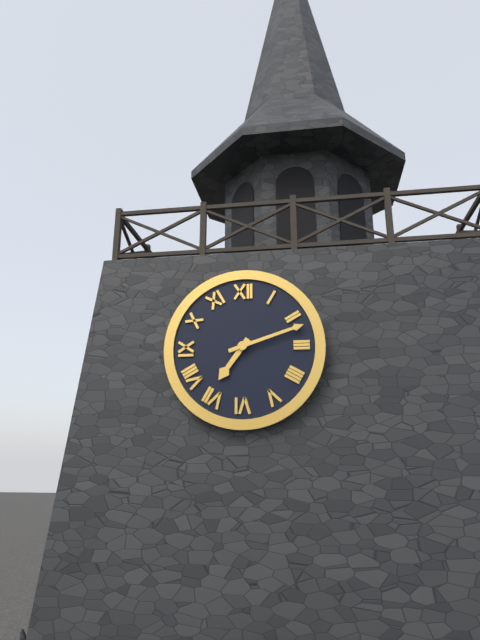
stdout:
7,12
